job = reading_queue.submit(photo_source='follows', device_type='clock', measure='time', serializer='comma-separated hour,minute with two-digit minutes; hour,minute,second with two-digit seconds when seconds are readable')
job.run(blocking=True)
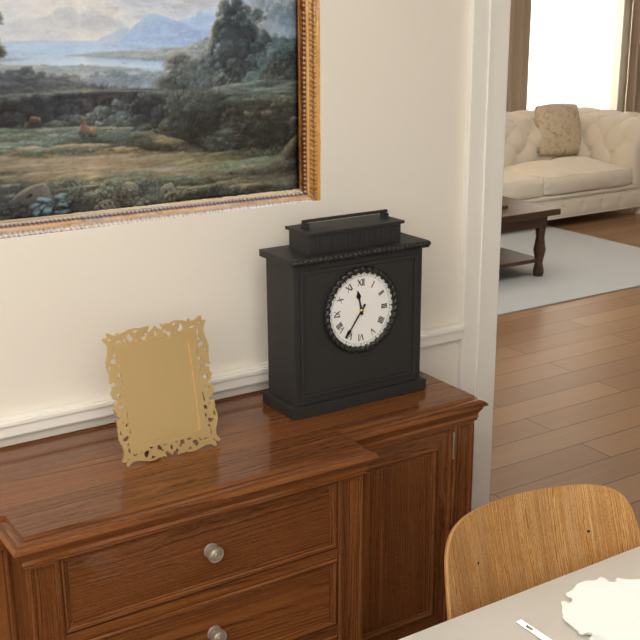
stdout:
11,36
